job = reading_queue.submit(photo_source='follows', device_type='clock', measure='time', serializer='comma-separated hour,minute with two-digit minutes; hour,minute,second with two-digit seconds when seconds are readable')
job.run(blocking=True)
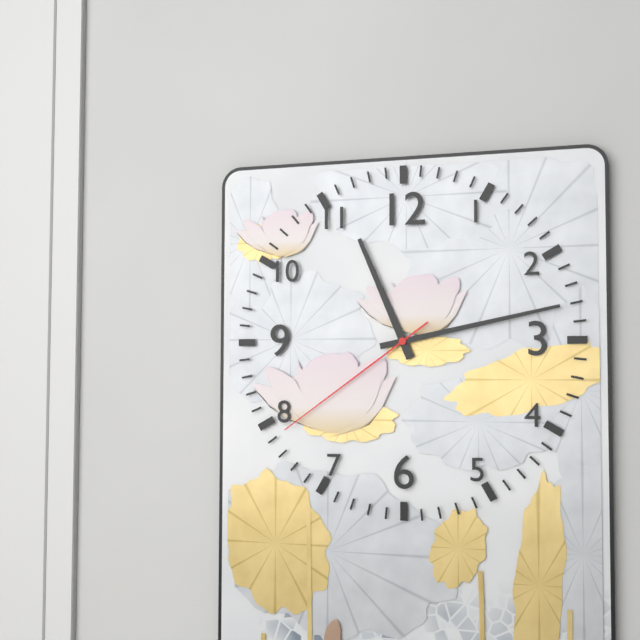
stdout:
11,13,39
